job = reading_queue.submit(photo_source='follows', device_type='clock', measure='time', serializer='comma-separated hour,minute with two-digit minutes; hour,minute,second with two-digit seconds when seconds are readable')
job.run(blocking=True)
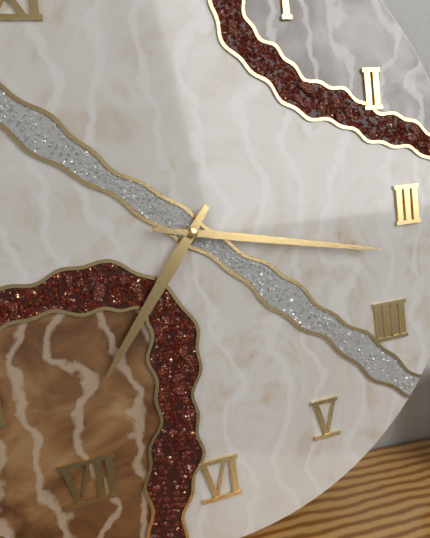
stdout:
7,17
